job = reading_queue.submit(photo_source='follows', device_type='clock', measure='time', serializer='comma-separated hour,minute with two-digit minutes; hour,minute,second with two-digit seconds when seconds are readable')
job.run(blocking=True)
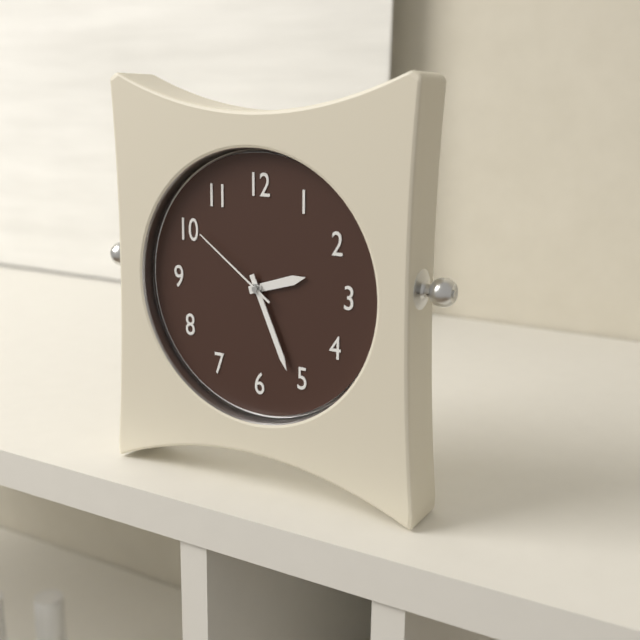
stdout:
2,26,51
